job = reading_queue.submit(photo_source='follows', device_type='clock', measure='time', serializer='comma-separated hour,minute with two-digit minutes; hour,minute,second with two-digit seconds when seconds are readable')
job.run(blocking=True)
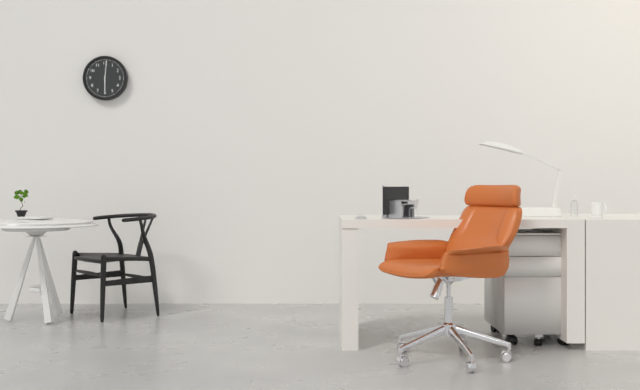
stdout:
6,01
